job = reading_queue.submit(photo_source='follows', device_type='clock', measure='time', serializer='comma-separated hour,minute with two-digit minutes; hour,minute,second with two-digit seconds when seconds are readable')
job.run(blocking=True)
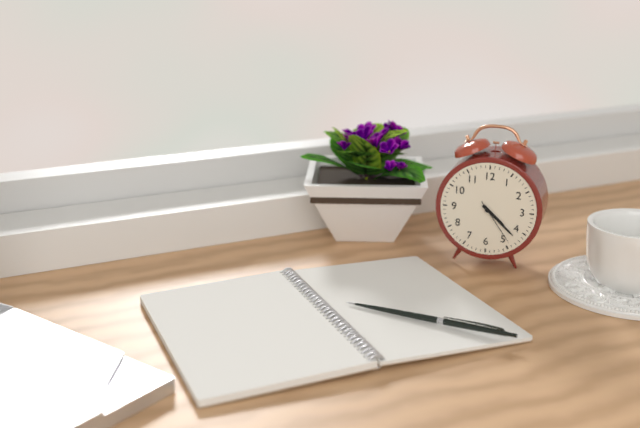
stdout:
4,22,24
